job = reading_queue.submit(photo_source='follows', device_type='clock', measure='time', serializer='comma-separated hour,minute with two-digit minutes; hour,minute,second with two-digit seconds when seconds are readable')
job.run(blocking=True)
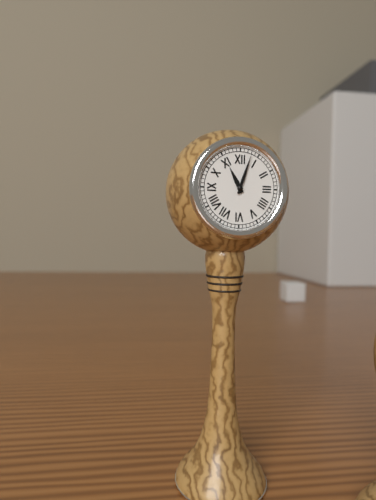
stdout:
11,03
